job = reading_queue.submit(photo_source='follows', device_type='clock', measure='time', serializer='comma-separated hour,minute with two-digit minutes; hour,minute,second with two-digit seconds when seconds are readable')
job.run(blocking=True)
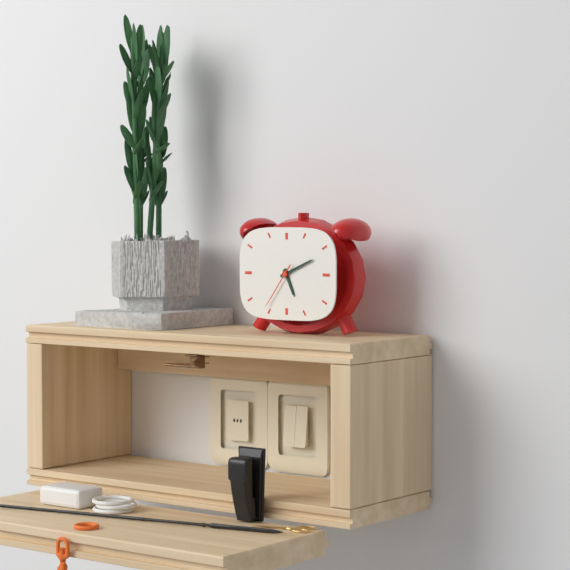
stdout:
5,11
